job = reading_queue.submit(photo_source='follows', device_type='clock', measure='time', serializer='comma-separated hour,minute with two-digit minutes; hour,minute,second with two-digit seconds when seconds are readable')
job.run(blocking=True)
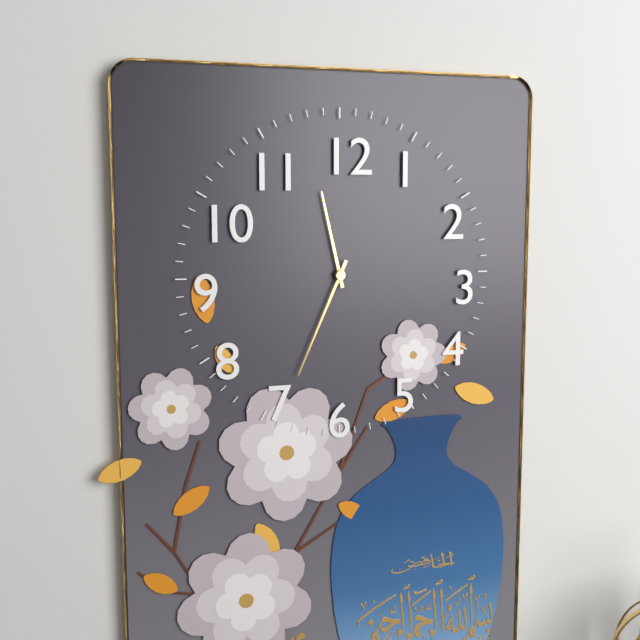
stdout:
11,34
